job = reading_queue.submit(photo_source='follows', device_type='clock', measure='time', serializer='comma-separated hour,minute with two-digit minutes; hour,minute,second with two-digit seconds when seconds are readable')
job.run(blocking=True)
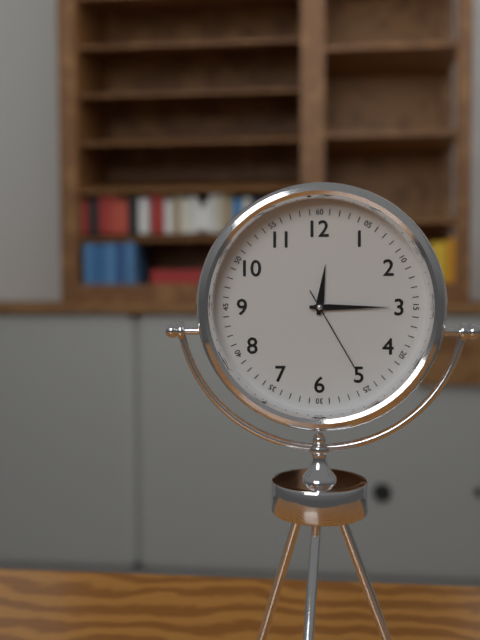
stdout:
12,15,25
